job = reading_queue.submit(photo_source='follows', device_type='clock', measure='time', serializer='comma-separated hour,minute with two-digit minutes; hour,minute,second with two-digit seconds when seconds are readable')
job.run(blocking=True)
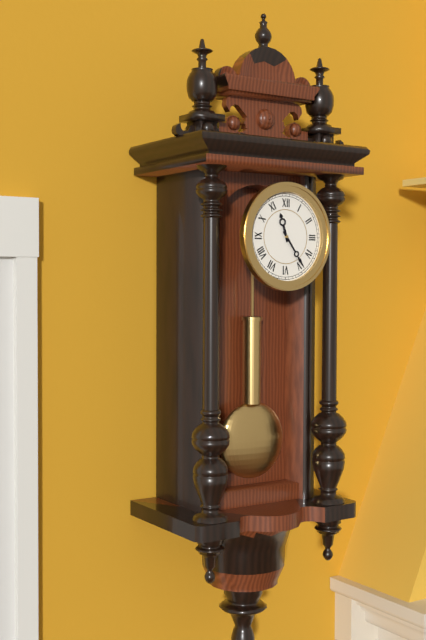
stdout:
11,24
